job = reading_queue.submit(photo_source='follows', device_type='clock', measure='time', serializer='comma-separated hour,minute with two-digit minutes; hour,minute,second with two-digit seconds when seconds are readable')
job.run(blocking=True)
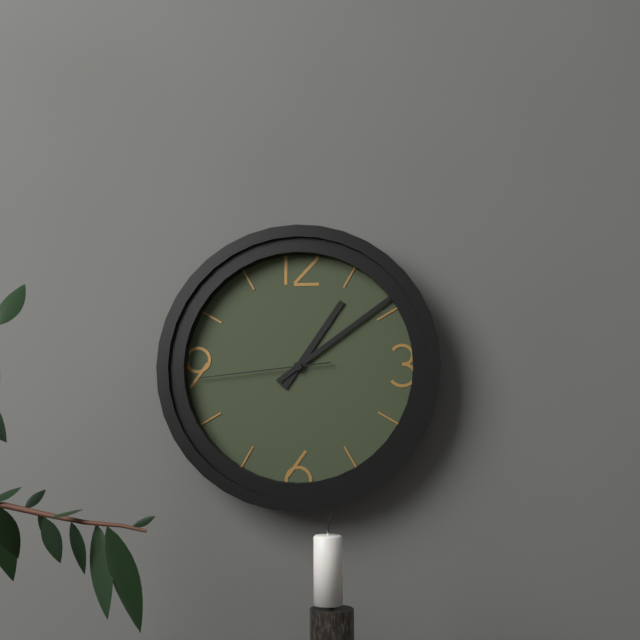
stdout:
1,09,44
